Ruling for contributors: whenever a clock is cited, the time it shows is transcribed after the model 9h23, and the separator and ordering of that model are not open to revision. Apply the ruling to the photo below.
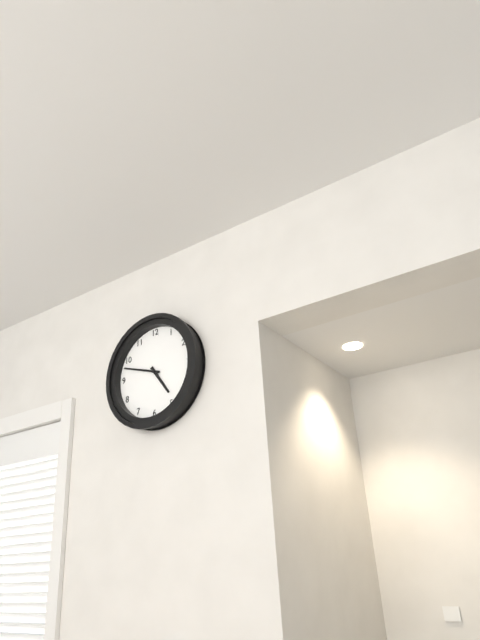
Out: 4h48
